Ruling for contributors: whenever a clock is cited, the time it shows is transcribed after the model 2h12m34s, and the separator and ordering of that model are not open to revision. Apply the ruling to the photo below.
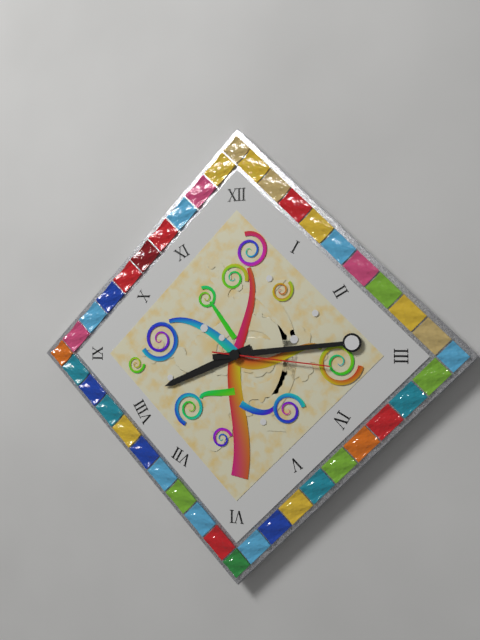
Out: 8h14m16s
